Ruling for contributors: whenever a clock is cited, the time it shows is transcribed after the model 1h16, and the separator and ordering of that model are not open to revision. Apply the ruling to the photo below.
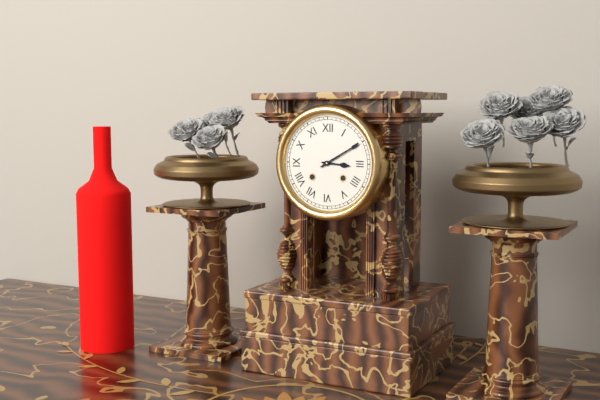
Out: 3h10
